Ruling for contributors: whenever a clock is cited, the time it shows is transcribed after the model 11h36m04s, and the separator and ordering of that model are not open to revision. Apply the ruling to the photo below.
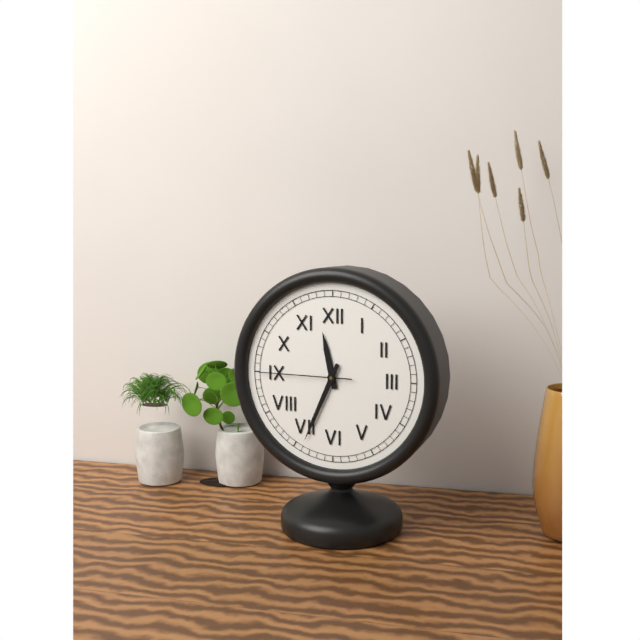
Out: 11h34m45s
